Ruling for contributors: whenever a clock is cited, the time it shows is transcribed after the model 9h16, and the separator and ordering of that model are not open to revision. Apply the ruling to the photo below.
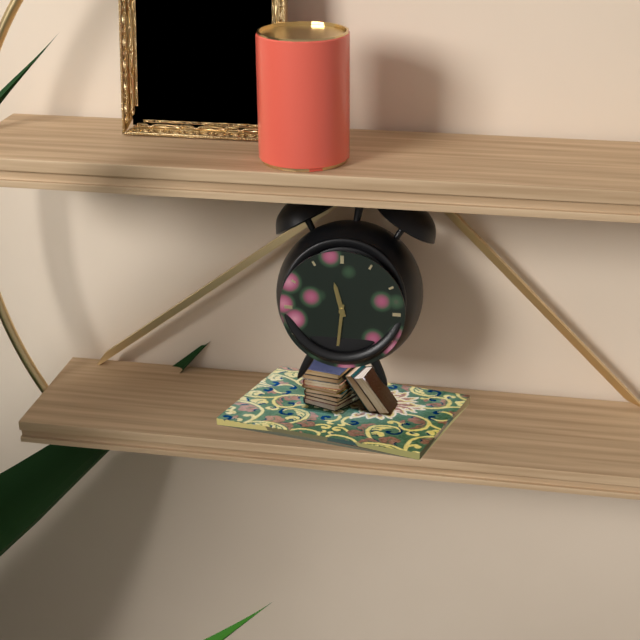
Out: 11h31
